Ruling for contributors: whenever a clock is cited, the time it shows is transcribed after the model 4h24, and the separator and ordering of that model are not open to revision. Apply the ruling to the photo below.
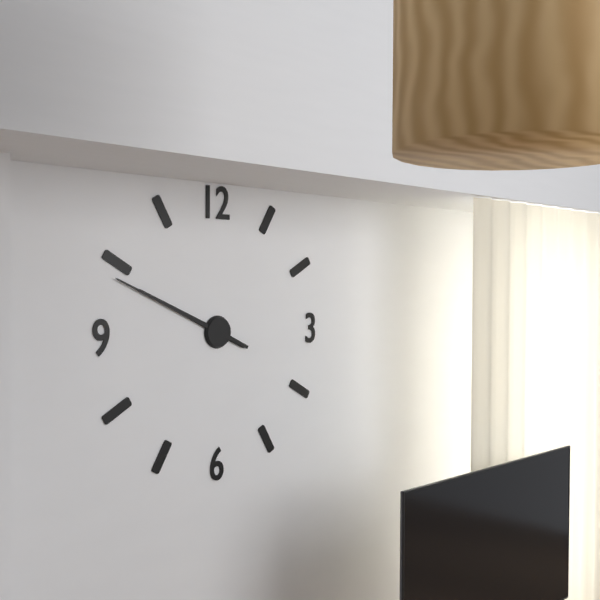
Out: 9h49
